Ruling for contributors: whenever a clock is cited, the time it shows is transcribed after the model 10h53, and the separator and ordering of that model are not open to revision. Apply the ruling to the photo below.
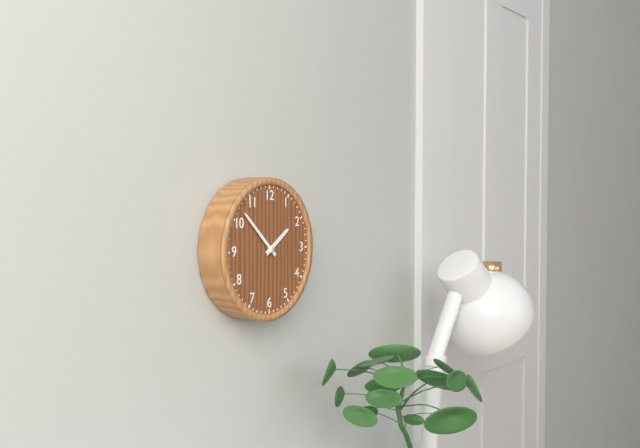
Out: 1h52
